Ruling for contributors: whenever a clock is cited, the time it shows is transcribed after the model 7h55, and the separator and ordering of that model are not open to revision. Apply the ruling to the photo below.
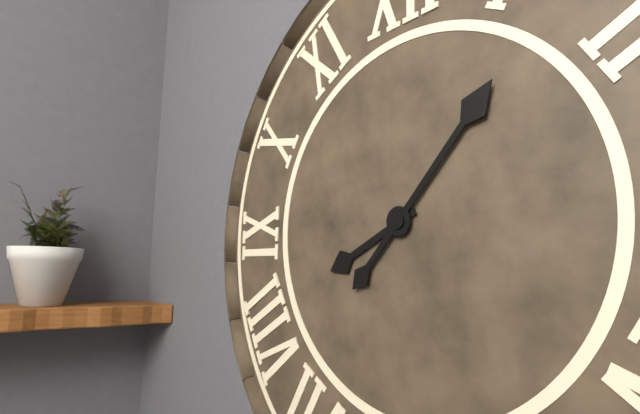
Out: 8h07
